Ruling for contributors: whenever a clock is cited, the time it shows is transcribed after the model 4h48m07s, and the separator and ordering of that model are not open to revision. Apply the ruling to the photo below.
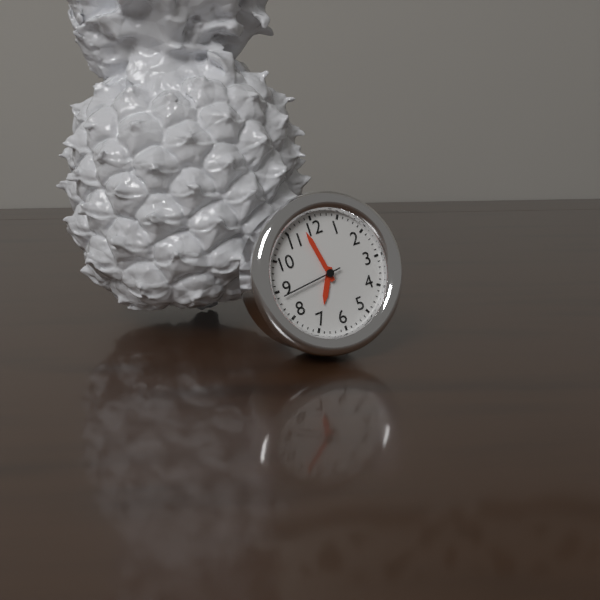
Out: 6h58m44s
